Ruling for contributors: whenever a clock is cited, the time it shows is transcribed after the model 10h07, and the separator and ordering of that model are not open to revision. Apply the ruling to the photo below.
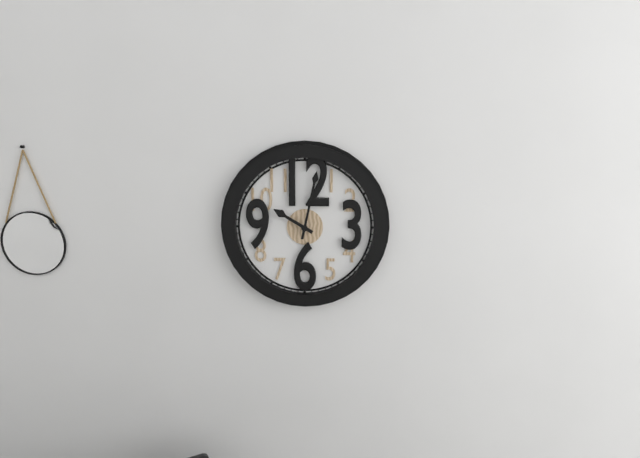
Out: 10h02
